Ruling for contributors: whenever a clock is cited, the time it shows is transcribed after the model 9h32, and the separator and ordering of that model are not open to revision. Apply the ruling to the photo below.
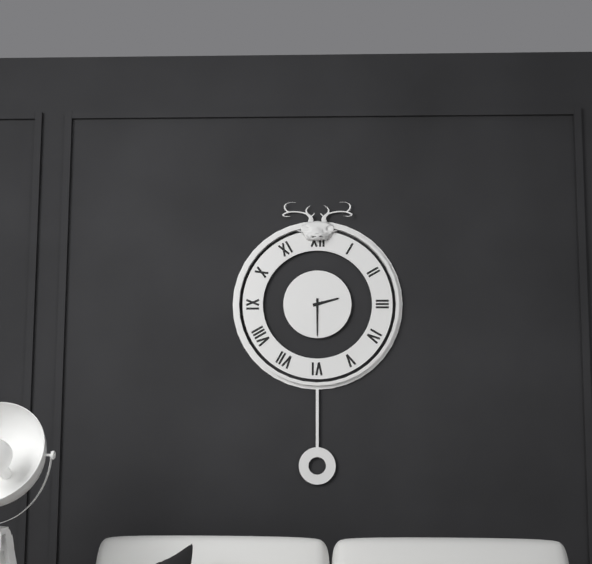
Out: 2h30
